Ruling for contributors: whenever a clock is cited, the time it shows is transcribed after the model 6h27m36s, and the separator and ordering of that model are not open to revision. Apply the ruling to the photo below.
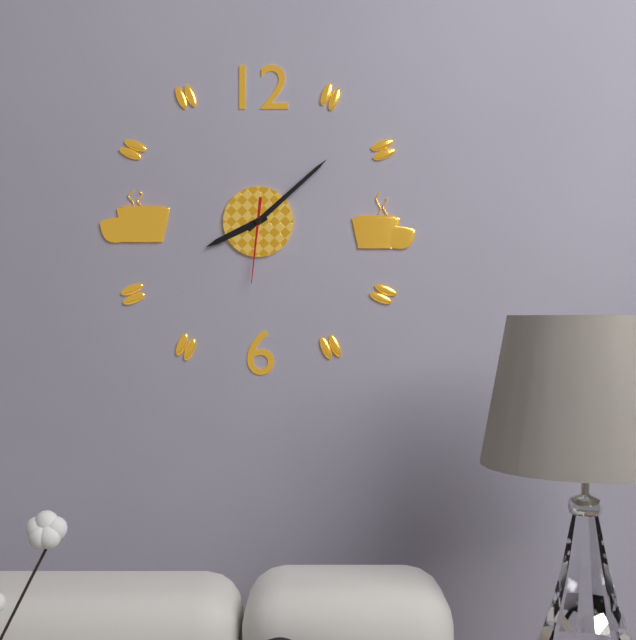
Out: 8h08m31s
